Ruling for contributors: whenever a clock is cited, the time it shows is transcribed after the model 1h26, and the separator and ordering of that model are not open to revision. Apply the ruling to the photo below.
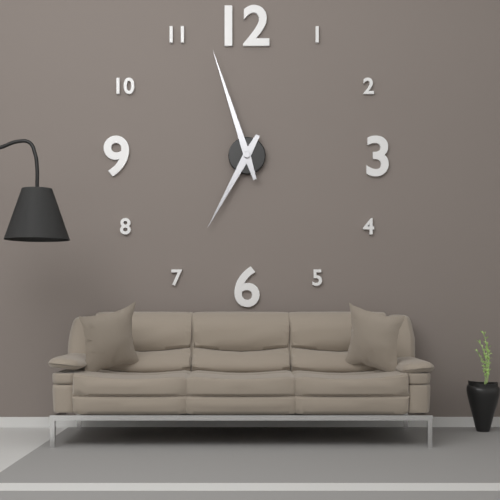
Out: 6h57
